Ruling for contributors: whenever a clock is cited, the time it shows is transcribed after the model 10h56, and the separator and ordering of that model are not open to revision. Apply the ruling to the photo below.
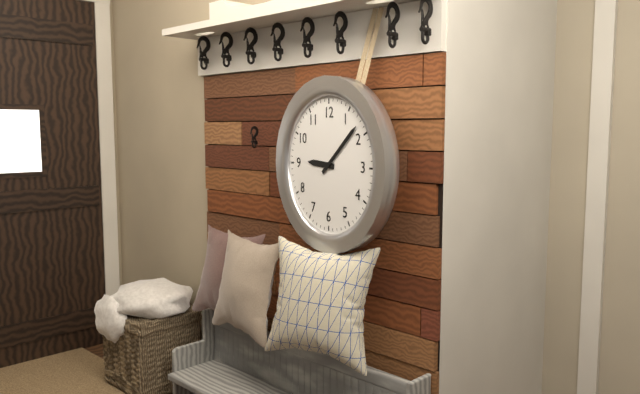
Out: 9h08
